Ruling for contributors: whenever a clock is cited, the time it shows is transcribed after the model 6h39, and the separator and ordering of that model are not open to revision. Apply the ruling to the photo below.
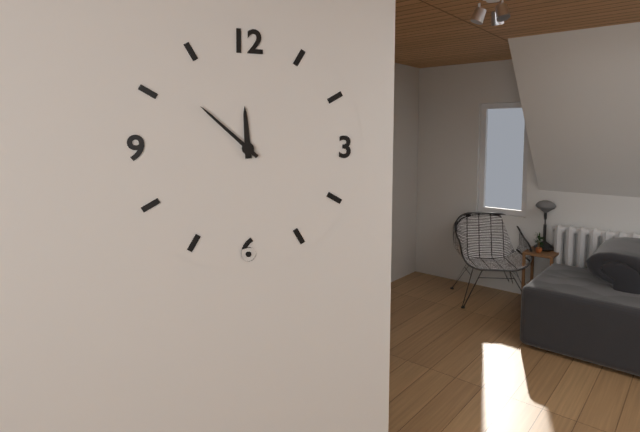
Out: 11h52
